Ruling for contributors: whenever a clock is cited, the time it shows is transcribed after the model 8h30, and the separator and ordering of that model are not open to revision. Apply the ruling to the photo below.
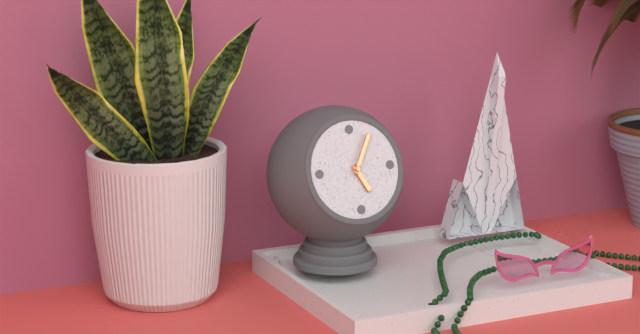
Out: 5h05
